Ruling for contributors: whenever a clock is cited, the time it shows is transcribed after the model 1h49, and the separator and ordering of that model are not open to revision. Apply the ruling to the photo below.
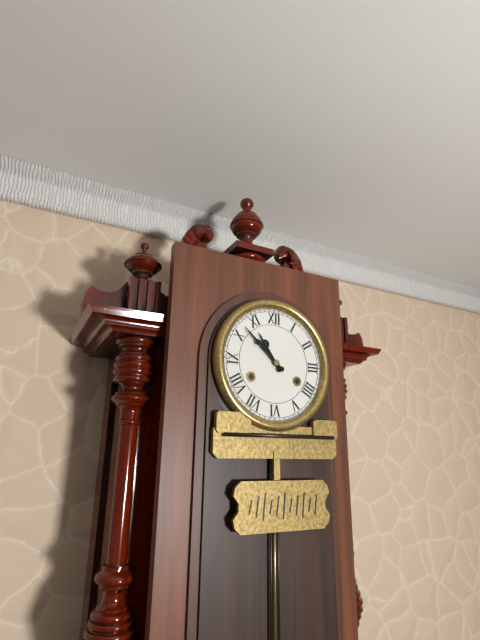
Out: 10h52
